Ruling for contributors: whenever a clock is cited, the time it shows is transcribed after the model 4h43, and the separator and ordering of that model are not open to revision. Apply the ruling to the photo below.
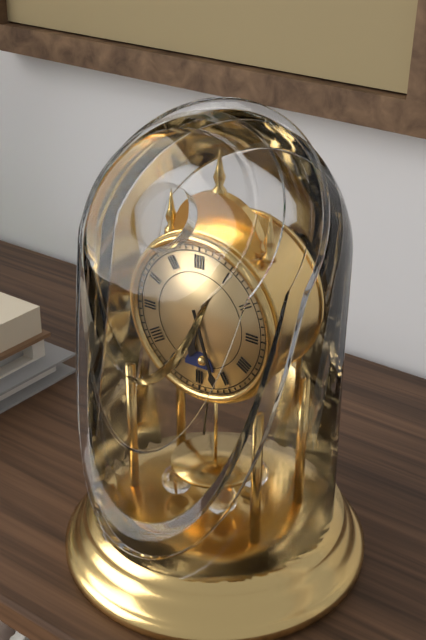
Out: 6h27
